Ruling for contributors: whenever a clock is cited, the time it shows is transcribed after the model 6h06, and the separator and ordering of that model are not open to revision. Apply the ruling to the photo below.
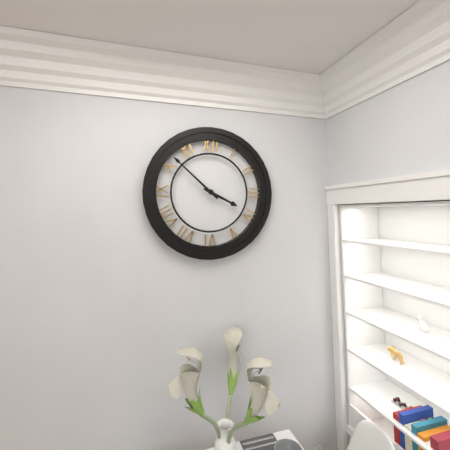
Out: 3h52
